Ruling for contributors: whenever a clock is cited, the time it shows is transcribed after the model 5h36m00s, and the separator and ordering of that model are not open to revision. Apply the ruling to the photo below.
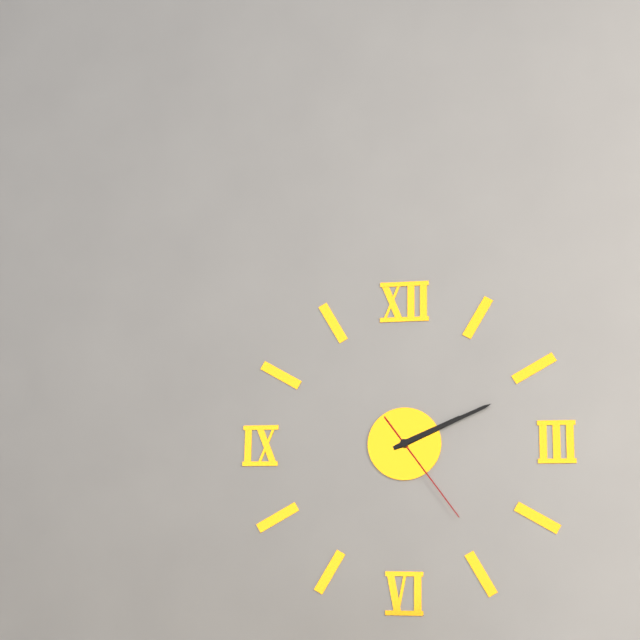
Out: 2h11m24s
